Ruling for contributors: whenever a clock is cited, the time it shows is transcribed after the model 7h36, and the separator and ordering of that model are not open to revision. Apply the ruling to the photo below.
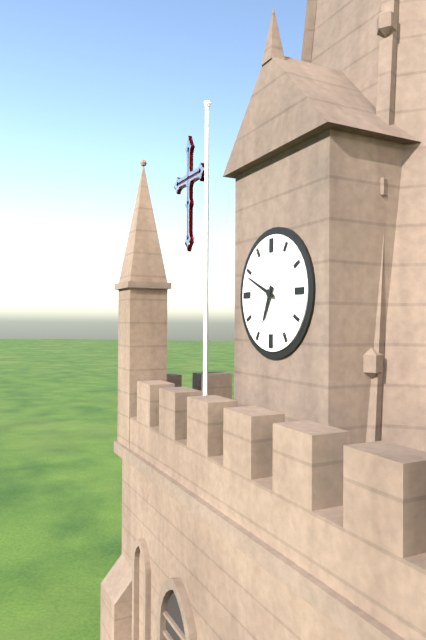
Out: 6h49
